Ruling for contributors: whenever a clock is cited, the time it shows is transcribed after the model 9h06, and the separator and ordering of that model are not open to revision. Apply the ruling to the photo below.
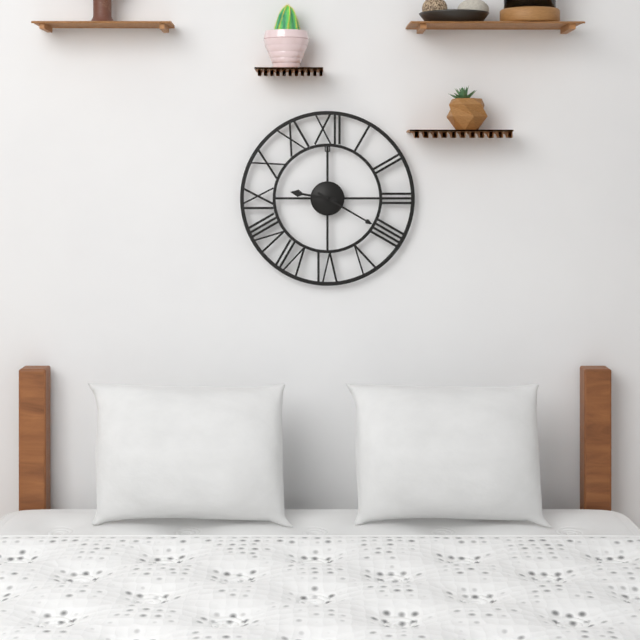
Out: 9h20
